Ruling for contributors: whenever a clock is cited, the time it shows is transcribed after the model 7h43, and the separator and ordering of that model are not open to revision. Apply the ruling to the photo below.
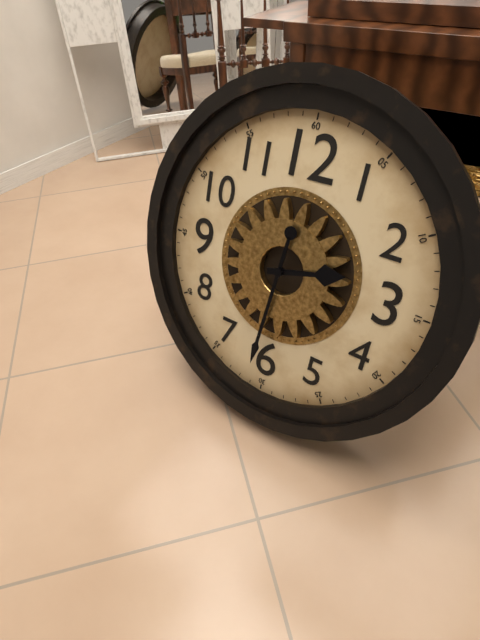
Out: 2h31
